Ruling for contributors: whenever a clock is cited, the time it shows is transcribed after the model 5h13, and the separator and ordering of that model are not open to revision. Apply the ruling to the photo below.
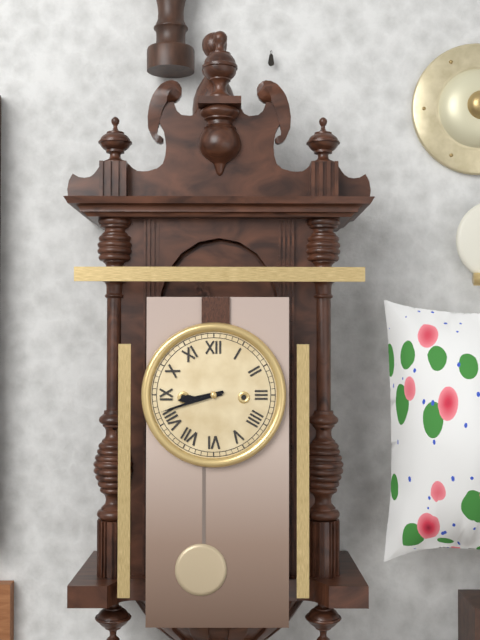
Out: 8h42
